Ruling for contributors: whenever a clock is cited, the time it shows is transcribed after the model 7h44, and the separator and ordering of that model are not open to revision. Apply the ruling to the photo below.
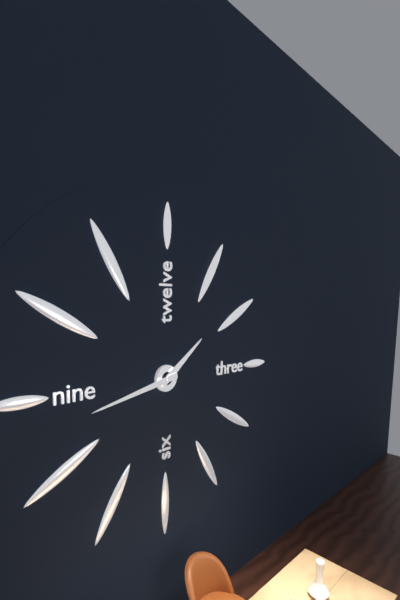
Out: 1h43
